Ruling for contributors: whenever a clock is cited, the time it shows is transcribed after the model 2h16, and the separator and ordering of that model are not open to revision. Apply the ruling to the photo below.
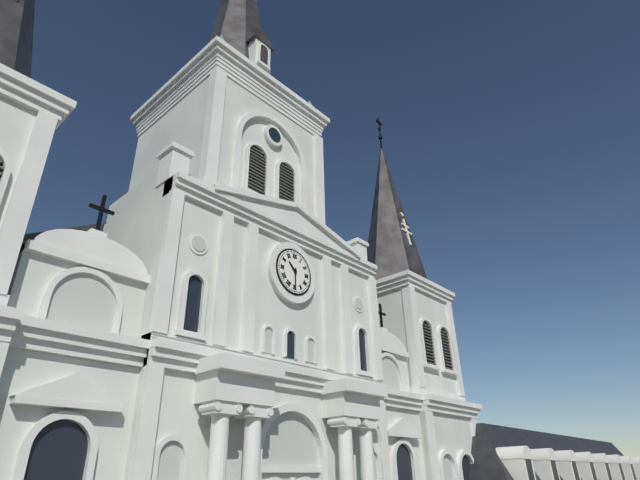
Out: 10h30
